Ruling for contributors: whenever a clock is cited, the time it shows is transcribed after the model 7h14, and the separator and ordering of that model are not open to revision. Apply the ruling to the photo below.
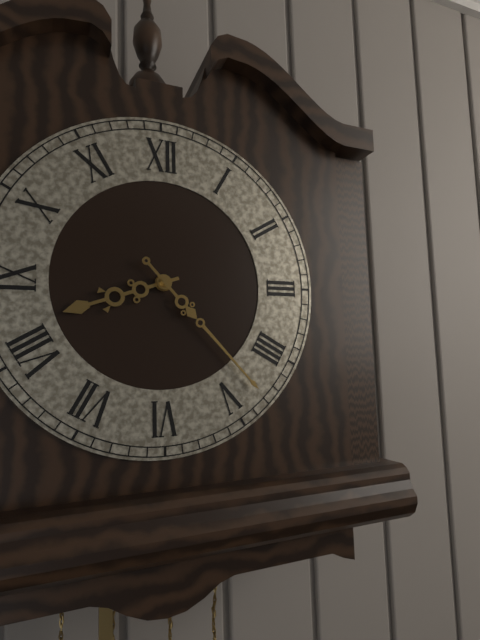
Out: 8h23
